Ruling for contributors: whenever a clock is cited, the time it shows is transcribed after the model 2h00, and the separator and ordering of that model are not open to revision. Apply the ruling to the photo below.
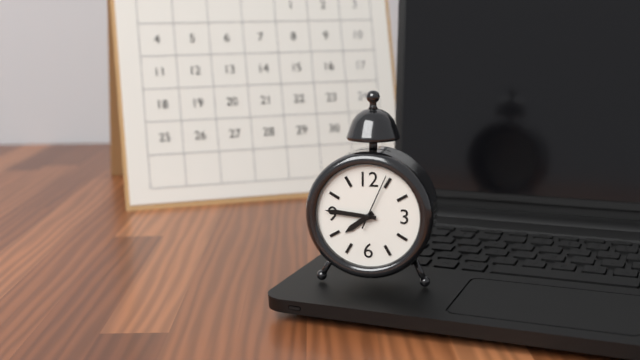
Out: 7h46
